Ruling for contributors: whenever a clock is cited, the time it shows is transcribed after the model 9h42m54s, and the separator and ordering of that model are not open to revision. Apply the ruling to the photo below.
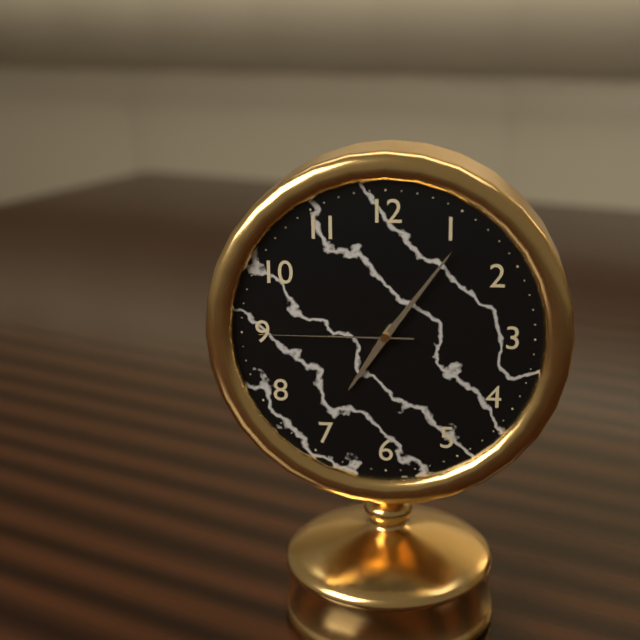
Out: 7h06m45s
